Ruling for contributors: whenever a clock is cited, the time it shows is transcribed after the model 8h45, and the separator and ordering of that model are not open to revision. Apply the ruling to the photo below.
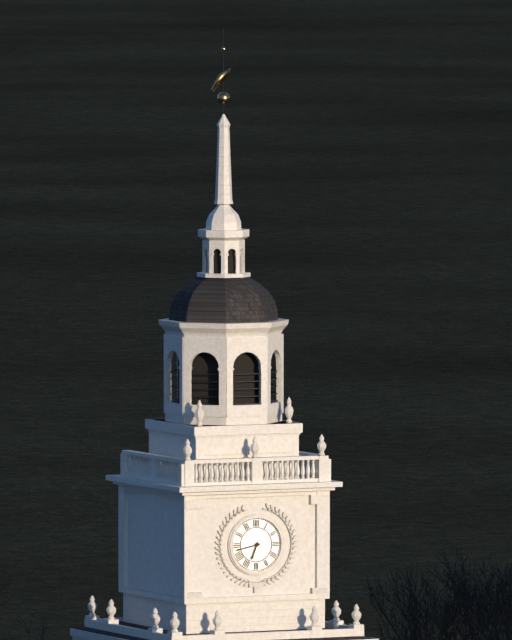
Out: 6h43
